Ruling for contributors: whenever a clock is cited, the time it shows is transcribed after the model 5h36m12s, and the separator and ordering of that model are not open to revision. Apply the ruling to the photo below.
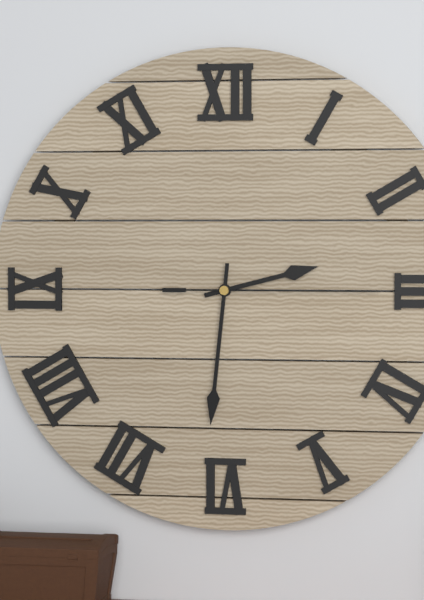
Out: 2h31m15s
